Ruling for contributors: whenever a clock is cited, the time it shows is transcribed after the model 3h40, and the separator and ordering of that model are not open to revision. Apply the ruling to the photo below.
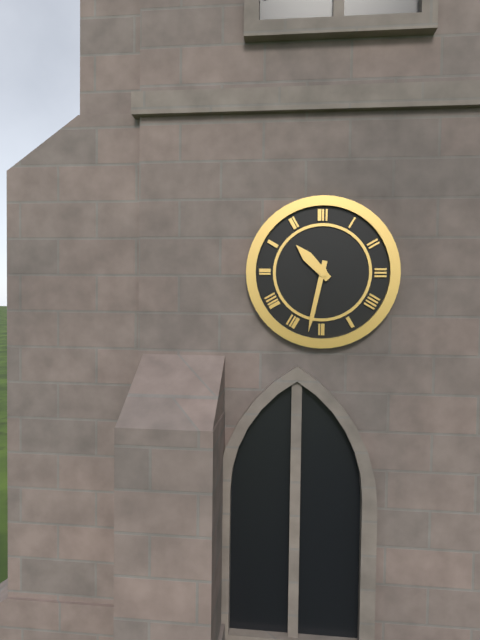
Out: 10h32
